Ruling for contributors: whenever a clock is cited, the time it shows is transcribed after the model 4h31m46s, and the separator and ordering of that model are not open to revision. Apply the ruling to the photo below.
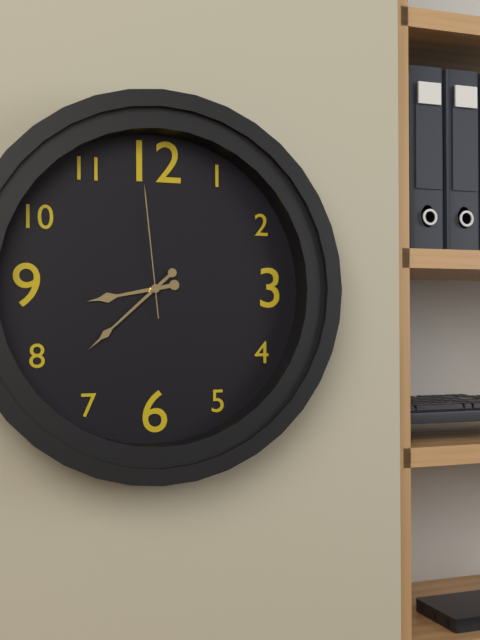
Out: 8h38m59s
